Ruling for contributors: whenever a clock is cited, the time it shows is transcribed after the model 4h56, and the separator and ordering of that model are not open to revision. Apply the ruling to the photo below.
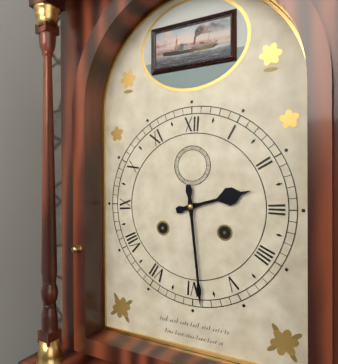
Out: 2h29
